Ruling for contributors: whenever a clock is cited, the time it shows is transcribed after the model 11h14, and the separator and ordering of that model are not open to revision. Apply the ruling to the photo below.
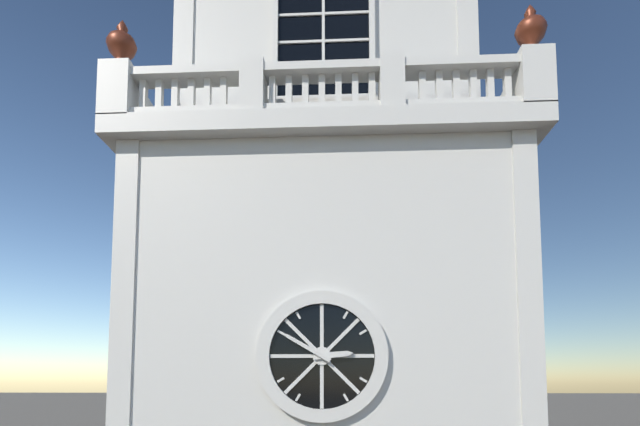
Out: 2h50
